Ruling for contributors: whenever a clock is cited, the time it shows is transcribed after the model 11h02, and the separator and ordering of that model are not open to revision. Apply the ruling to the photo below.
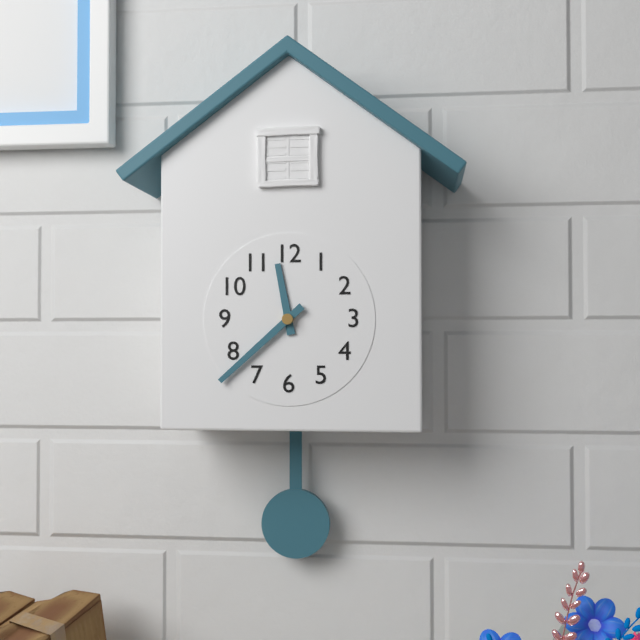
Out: 11h38
